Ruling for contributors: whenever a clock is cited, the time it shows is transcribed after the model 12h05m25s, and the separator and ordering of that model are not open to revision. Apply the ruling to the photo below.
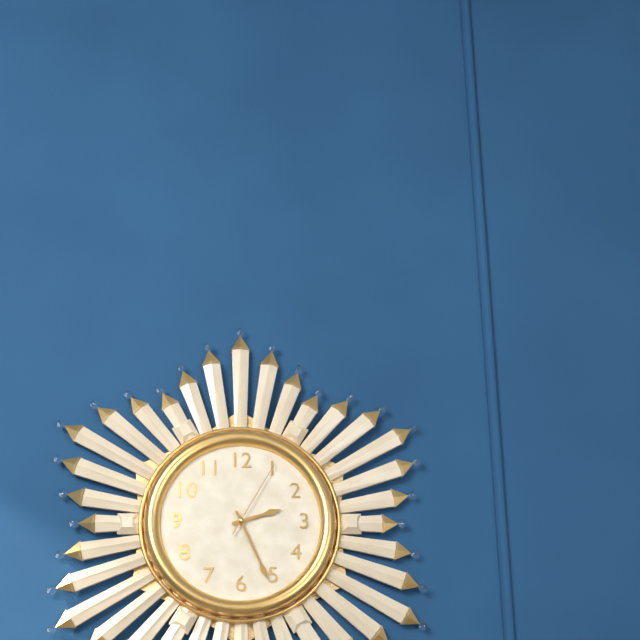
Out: 2h26m05s
